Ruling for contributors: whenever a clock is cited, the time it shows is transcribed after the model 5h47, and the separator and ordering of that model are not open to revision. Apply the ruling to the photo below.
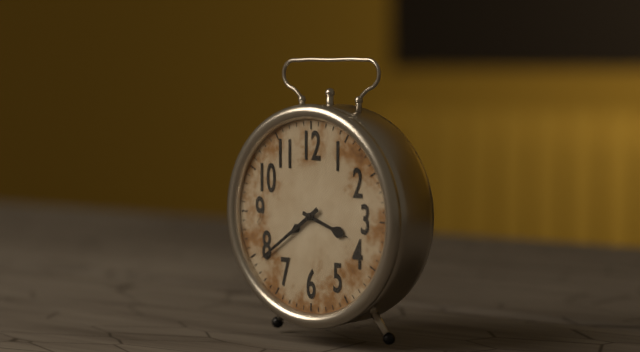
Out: 3h39
